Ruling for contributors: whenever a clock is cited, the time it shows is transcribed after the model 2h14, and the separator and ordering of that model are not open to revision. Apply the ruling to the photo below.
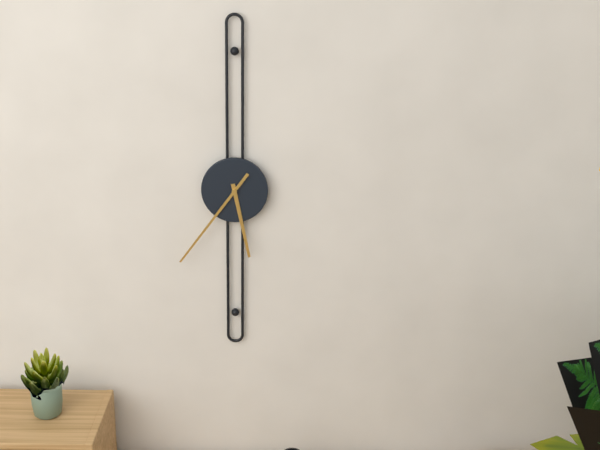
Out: 5h36
